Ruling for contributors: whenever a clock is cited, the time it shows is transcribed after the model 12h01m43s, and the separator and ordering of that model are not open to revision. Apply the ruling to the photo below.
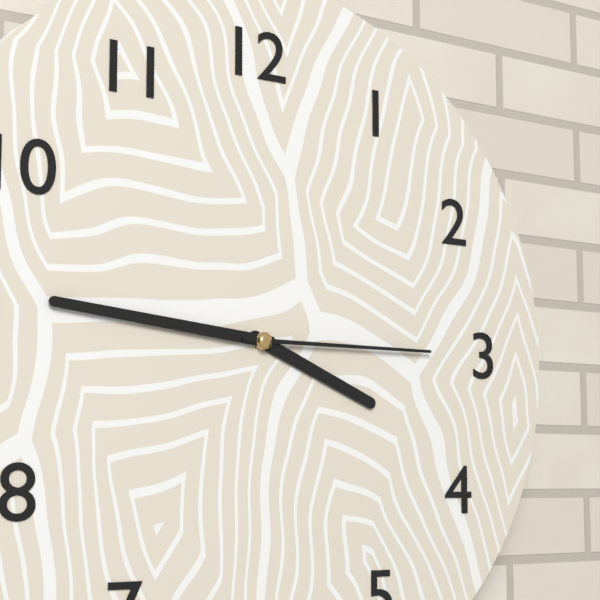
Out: 3h46m15s
